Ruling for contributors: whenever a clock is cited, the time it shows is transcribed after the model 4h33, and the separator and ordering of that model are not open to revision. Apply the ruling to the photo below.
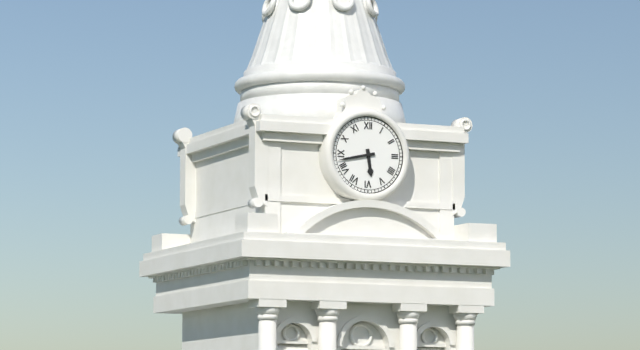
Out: 5h43
